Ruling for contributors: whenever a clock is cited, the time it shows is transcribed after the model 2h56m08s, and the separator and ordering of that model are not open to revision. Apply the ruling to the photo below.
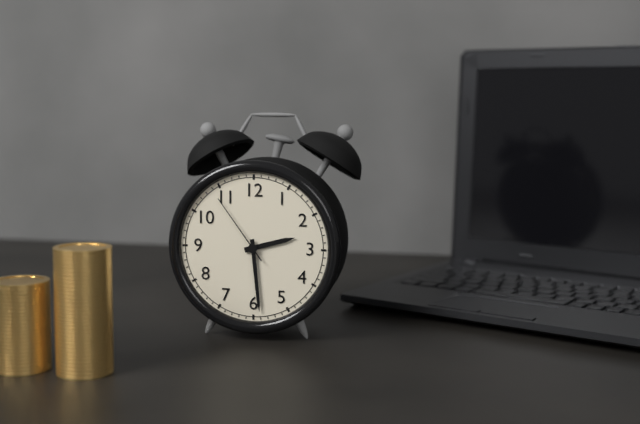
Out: 2h29m54s
